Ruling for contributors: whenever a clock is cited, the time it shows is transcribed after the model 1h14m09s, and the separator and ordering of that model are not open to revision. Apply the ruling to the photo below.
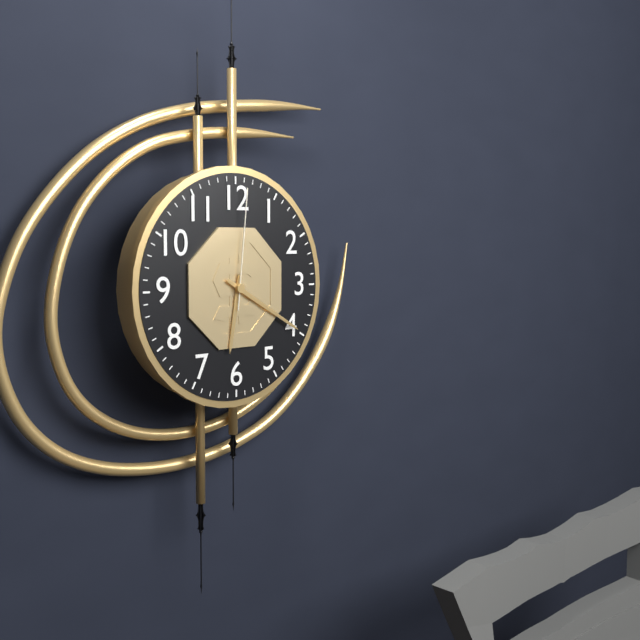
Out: 6h20m01s
